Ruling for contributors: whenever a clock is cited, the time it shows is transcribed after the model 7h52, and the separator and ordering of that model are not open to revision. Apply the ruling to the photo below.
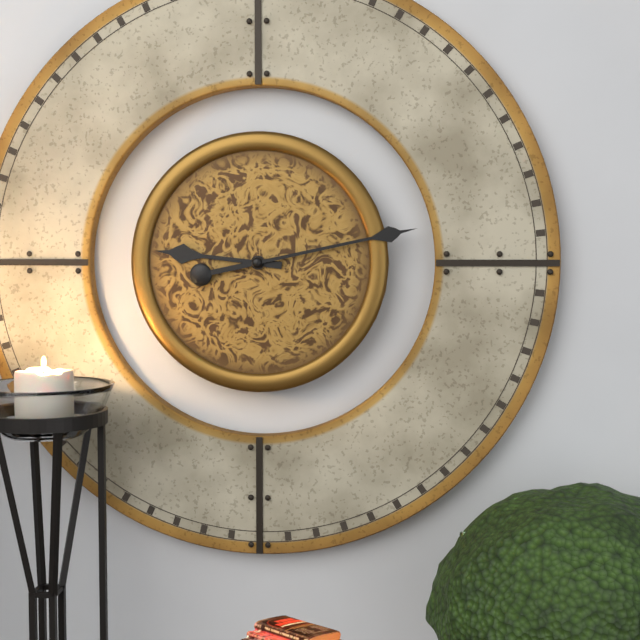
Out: 9h13
